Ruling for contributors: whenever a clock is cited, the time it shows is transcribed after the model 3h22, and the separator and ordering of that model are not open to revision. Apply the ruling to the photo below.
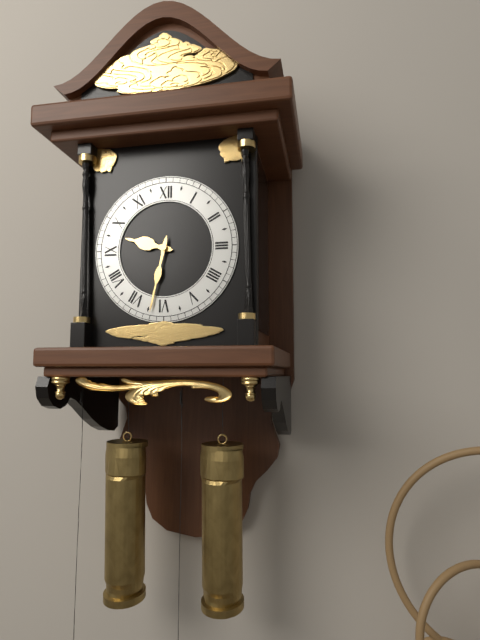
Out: 9h32
